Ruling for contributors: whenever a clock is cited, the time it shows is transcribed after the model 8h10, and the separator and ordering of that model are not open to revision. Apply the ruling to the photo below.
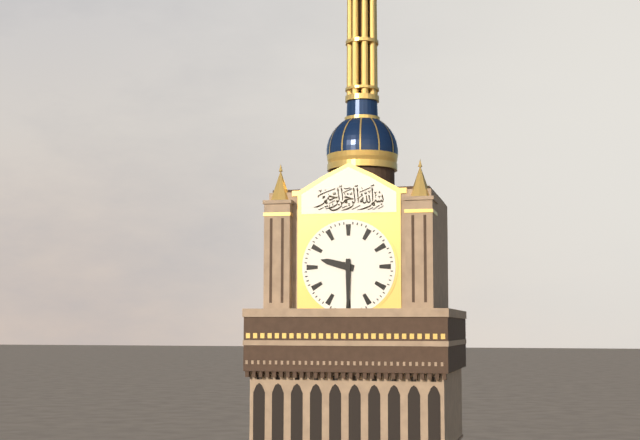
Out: 9h30
